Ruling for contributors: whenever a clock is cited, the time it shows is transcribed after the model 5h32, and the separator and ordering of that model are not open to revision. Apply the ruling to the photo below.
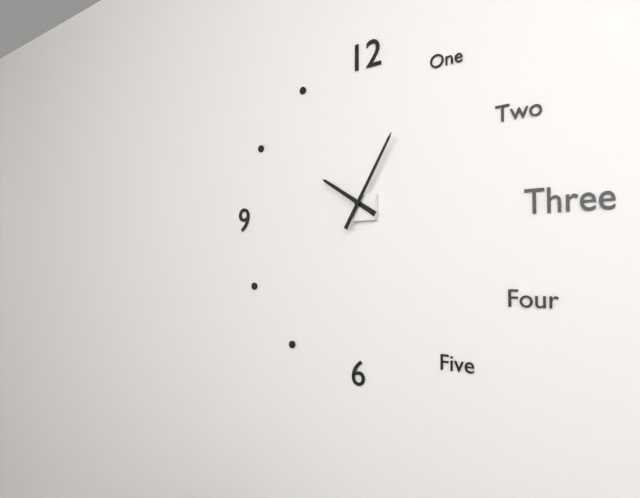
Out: 10h05
